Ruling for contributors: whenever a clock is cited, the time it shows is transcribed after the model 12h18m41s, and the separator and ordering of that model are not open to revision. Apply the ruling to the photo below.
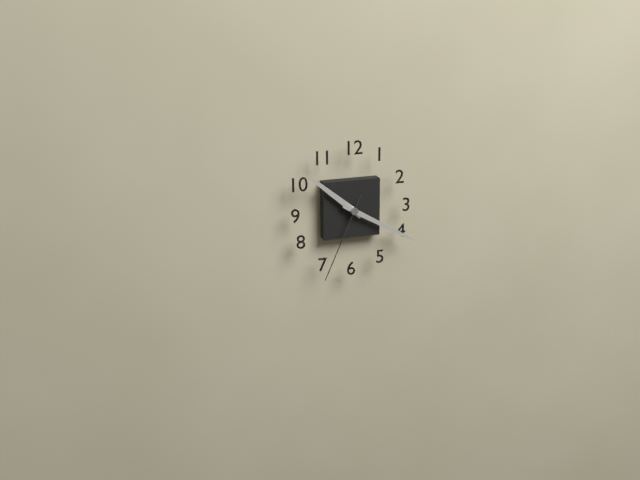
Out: 10h20m34s
